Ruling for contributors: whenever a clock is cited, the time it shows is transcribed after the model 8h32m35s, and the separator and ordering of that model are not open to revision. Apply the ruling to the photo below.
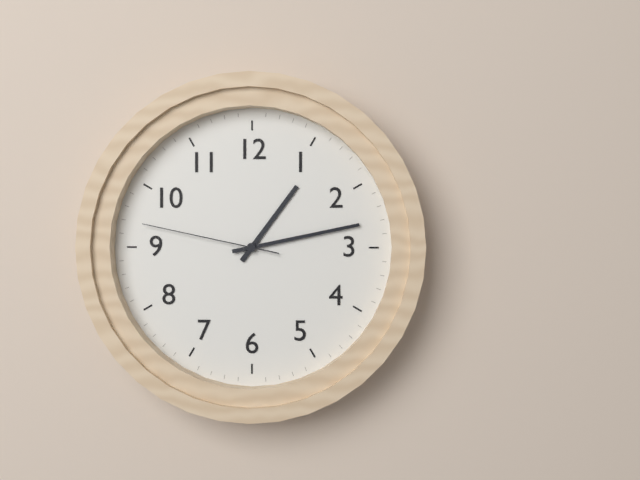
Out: 1h13m47s
